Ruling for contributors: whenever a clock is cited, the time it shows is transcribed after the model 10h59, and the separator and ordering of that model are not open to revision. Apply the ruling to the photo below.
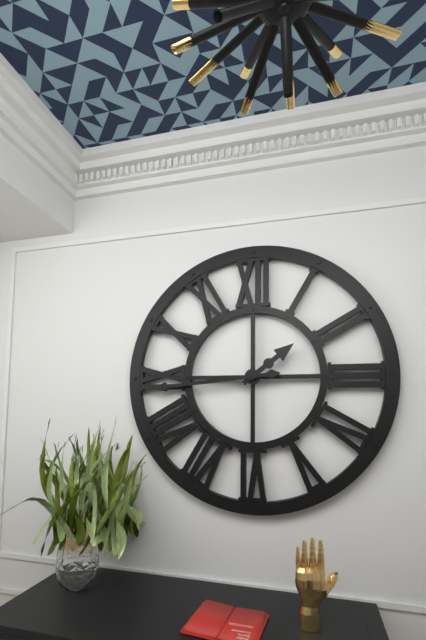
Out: 1h44
